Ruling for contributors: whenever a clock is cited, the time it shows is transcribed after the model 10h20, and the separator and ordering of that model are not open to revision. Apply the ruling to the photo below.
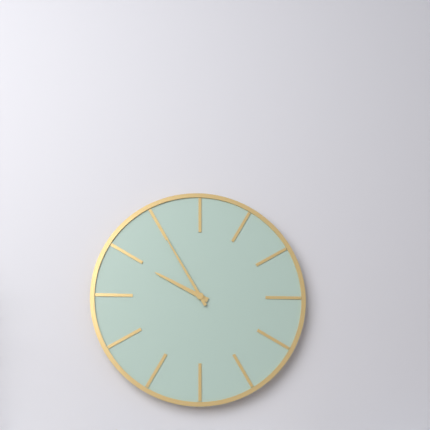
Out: 9h55
